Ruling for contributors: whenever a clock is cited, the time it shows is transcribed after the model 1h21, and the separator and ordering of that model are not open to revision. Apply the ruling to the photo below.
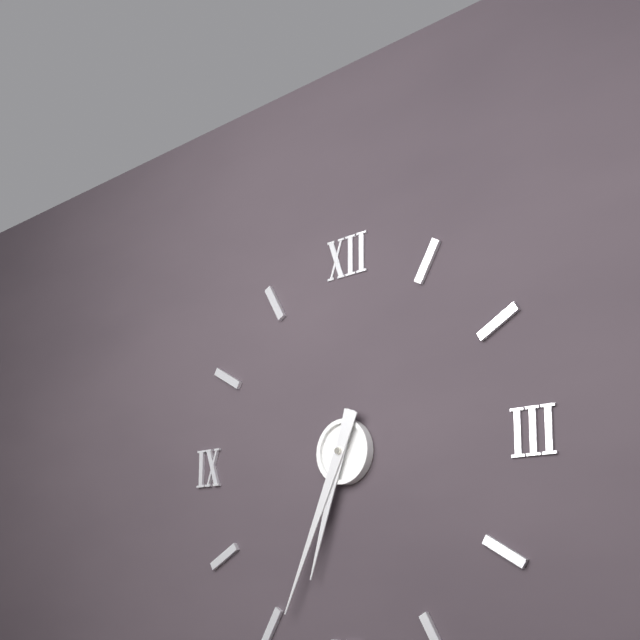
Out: 6h34
